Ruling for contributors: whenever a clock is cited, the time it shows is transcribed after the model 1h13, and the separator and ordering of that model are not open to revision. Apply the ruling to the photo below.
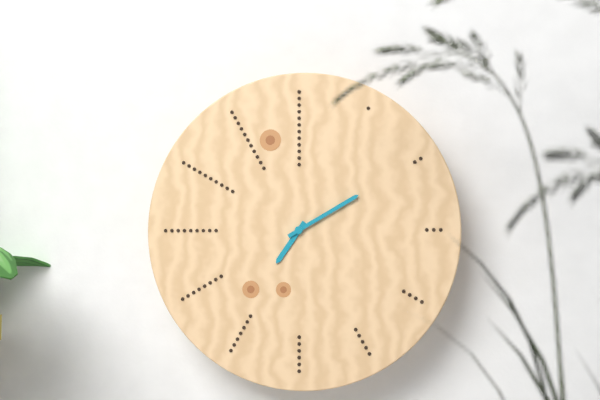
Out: 7h10
